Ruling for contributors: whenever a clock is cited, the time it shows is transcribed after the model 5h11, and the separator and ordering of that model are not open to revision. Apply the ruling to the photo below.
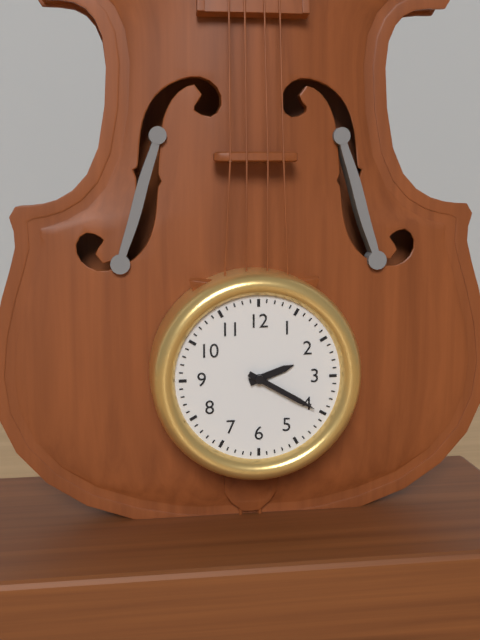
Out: 2h20
